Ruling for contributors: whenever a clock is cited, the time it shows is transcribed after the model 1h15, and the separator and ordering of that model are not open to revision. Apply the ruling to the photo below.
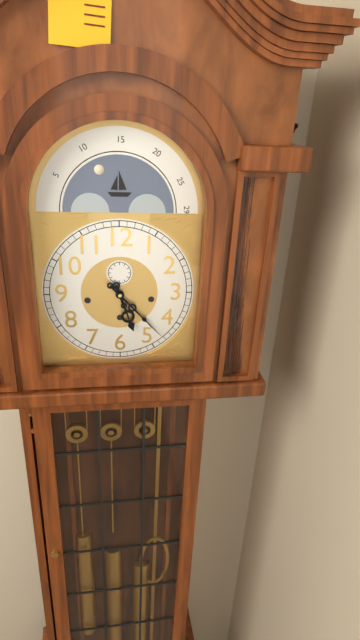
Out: 5h23
